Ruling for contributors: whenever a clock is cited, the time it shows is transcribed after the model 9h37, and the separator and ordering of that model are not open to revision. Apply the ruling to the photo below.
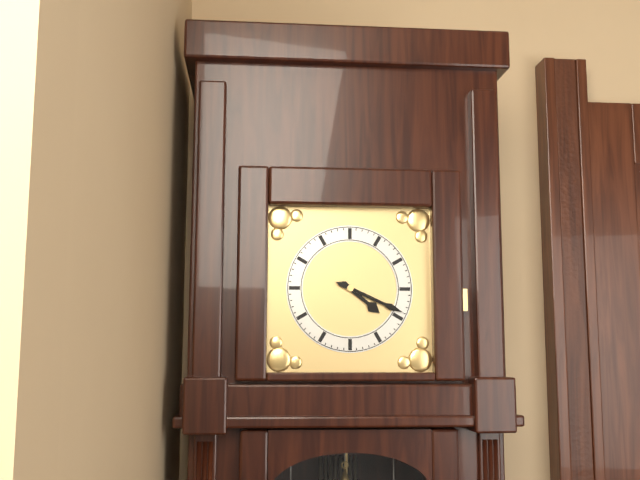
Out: 4h19
